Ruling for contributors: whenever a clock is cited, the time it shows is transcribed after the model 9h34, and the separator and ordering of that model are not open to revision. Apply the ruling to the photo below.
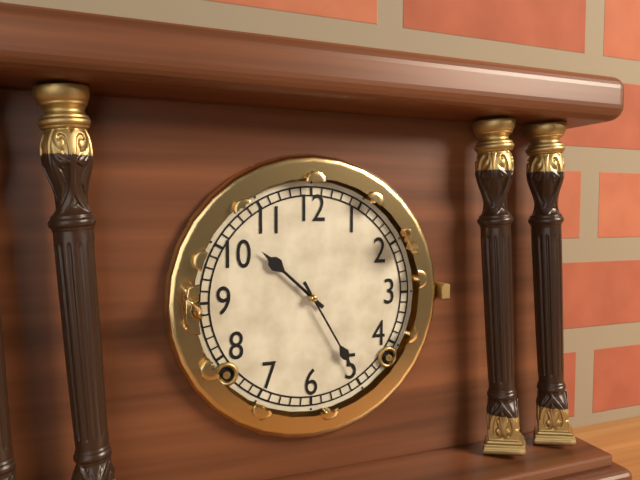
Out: 10h25
